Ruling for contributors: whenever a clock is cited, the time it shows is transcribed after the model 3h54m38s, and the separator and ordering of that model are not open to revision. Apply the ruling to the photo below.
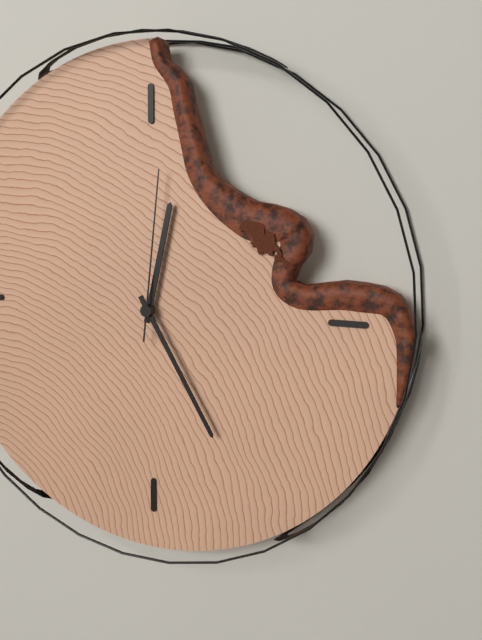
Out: 12h25m01s
